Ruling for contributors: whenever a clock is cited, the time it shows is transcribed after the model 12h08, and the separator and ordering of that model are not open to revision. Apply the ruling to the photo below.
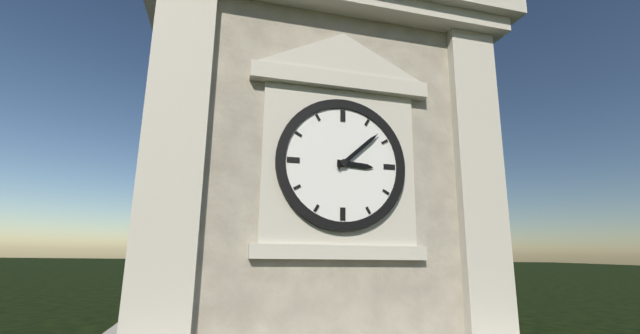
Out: 3h08
